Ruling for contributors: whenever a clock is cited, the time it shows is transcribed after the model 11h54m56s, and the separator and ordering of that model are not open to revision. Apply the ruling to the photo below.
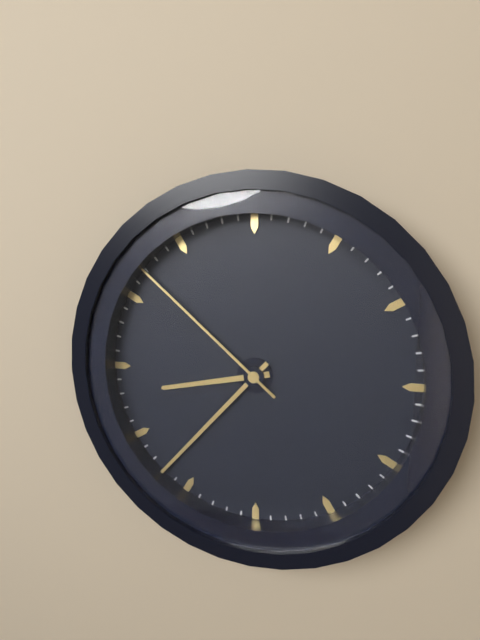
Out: 8h37m52s
